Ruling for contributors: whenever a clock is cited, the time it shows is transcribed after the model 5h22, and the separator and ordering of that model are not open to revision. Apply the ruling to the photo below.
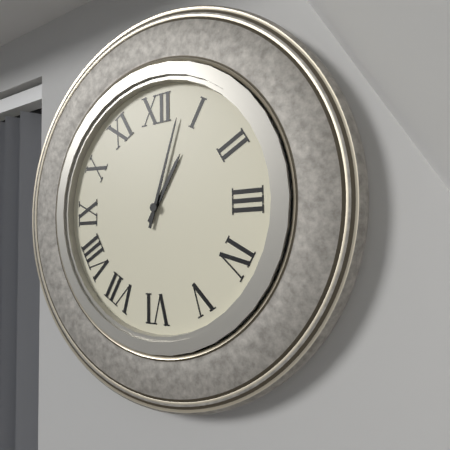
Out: 1h03
